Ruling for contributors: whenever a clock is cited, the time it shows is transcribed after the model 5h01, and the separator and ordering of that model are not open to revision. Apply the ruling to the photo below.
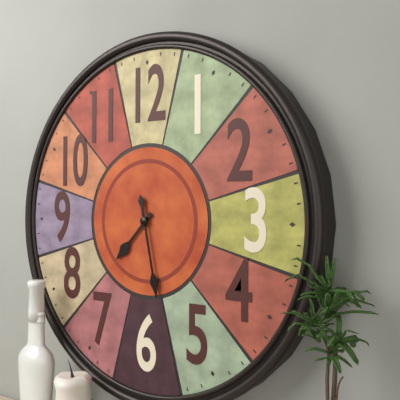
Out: 7h28
